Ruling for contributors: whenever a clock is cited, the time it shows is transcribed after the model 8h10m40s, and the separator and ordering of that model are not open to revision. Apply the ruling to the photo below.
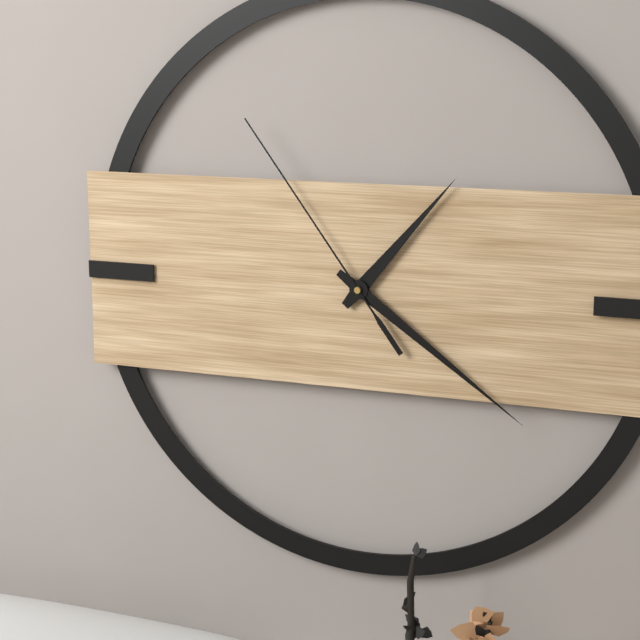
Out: 1h21m54s
